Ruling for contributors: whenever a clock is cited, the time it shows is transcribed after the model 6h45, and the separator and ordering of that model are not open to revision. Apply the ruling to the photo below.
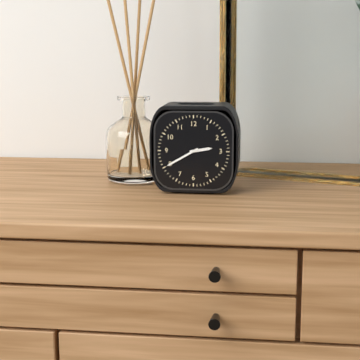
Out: 2h40
